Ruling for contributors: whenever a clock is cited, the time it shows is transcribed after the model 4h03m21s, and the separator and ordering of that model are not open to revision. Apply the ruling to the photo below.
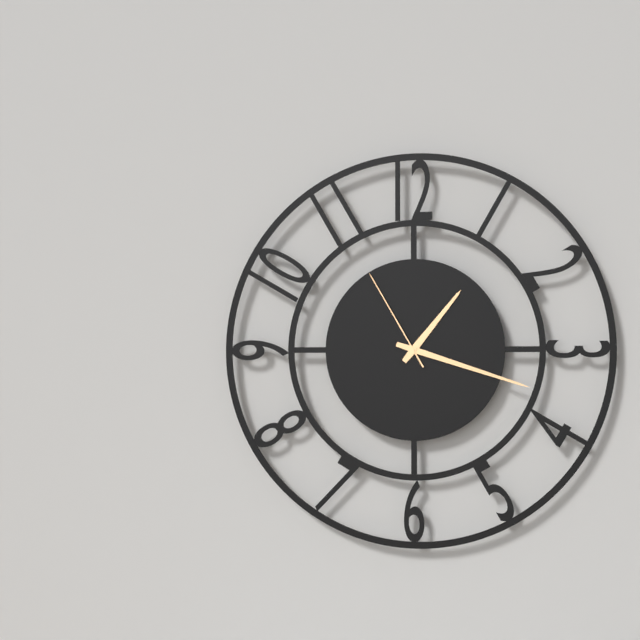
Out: 1h18m55s
